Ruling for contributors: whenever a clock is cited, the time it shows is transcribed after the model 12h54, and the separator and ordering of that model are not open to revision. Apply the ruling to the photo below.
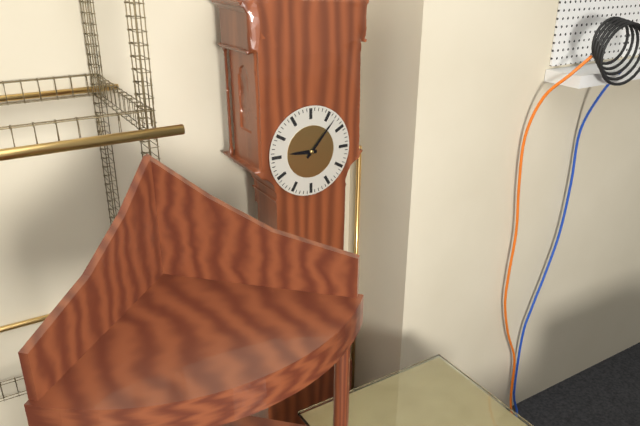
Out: 9h07
